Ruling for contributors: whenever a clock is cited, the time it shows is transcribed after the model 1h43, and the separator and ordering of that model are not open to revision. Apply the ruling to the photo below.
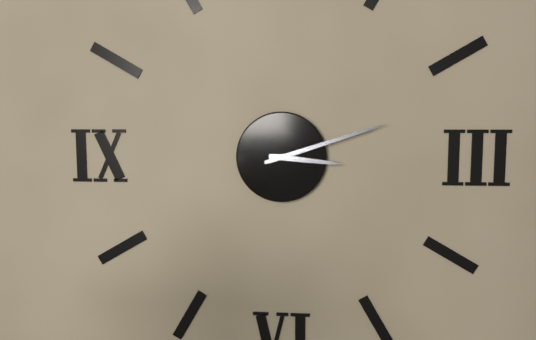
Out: 3h12
